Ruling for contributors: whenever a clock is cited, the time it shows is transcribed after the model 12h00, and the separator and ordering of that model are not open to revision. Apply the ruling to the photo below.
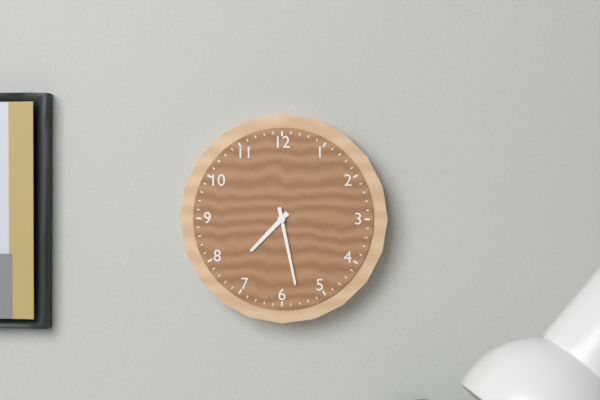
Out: 7h28
